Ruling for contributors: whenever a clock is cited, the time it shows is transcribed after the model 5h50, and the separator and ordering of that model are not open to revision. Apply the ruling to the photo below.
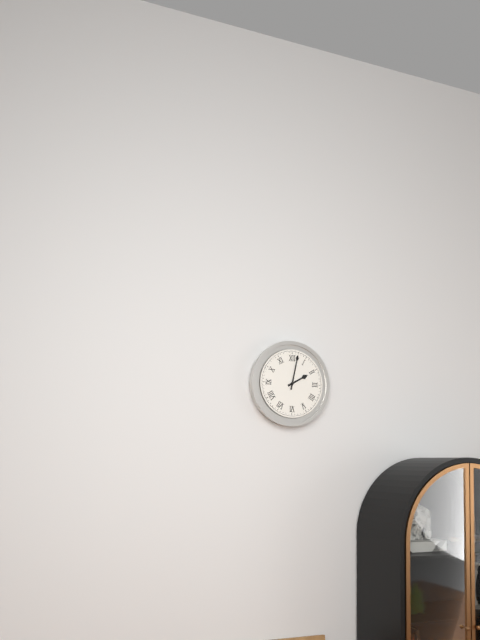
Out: 2h02
